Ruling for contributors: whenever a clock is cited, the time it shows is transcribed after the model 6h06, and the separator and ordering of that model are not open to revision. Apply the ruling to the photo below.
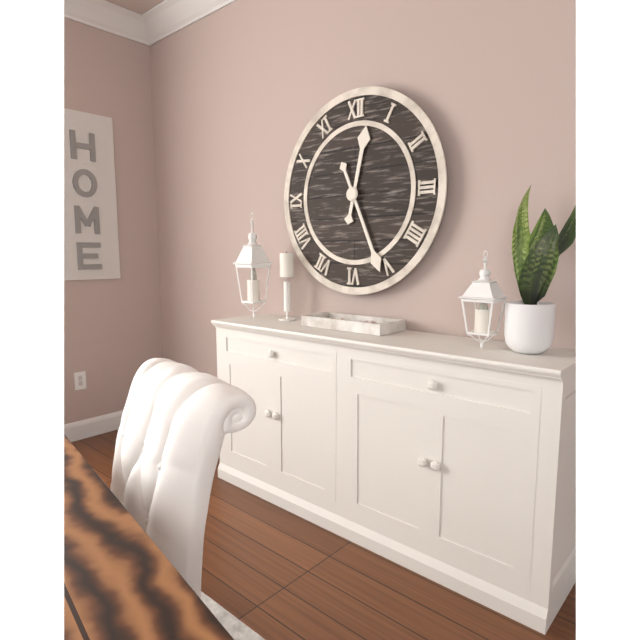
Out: 12h26
